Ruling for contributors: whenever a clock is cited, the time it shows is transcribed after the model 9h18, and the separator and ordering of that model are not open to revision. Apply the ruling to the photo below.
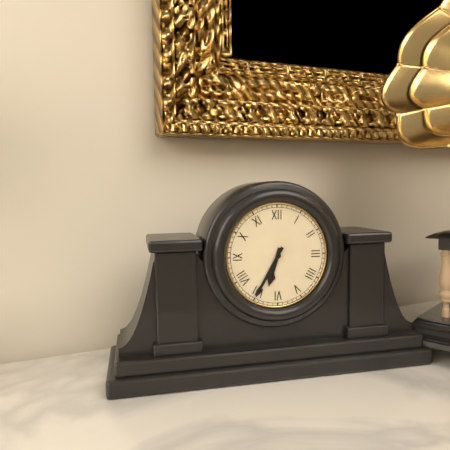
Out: 6h35
